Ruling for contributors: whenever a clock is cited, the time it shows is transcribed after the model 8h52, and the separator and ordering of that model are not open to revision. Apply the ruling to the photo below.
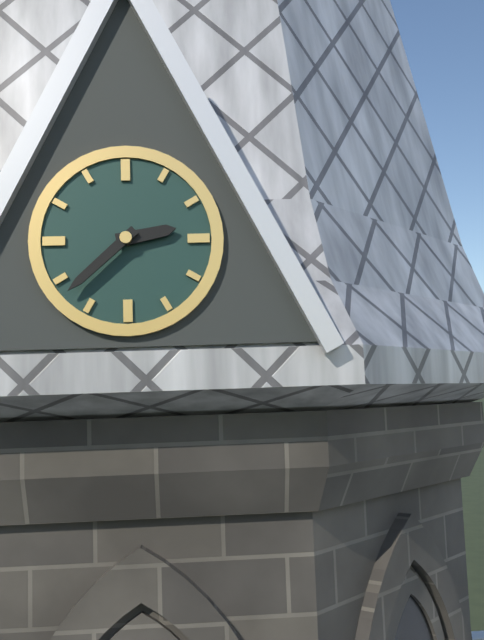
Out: 2h38
